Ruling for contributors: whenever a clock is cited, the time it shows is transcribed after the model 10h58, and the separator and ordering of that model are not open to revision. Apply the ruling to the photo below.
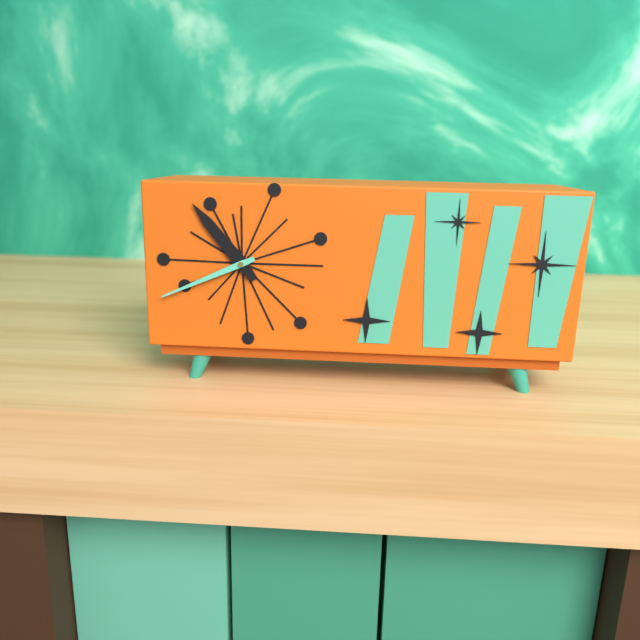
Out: 10h41
